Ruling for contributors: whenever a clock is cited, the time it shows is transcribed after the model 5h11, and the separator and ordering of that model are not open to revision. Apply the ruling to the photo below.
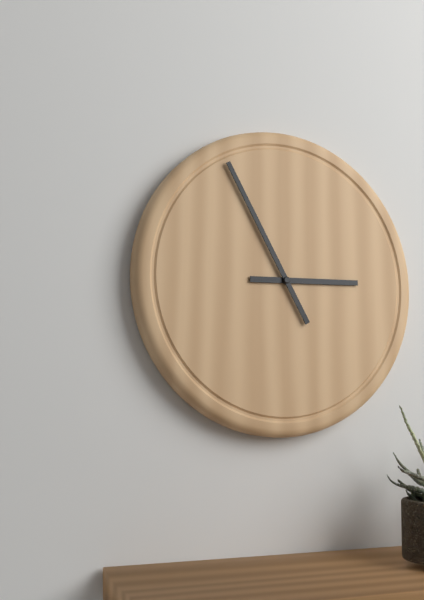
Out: 2h55
